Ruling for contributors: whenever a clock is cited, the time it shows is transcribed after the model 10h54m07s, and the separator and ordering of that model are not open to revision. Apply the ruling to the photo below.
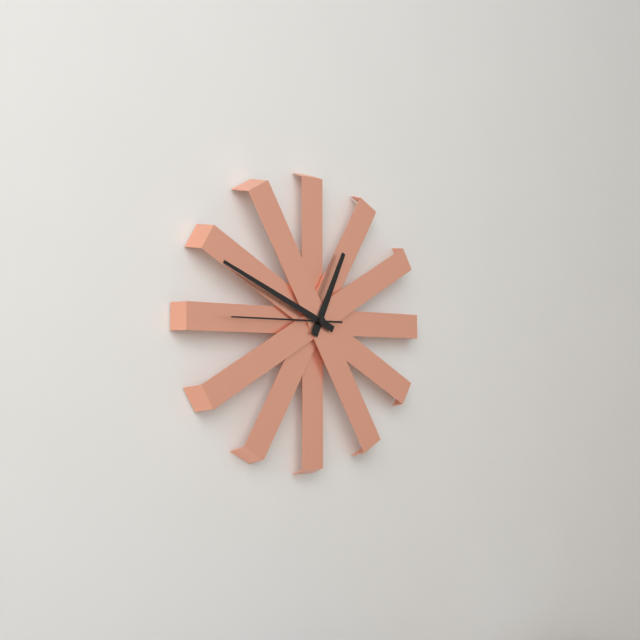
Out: 12h49m45s
